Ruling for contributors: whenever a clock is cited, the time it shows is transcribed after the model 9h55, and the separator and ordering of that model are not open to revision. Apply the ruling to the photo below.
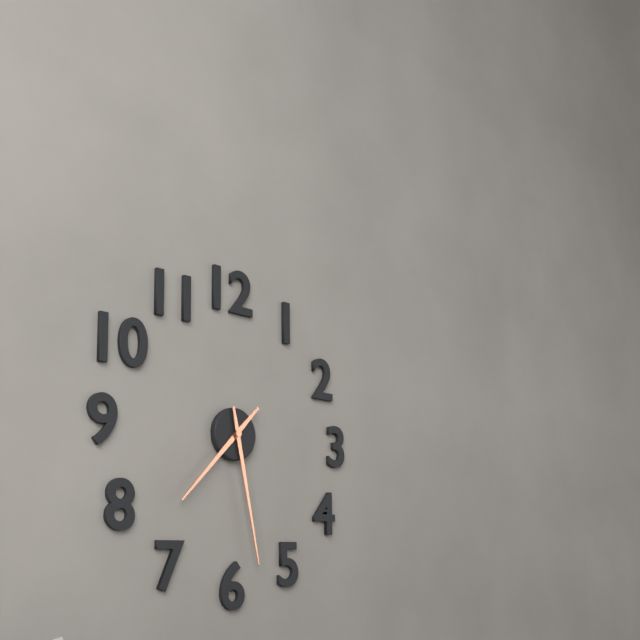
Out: 7h28
